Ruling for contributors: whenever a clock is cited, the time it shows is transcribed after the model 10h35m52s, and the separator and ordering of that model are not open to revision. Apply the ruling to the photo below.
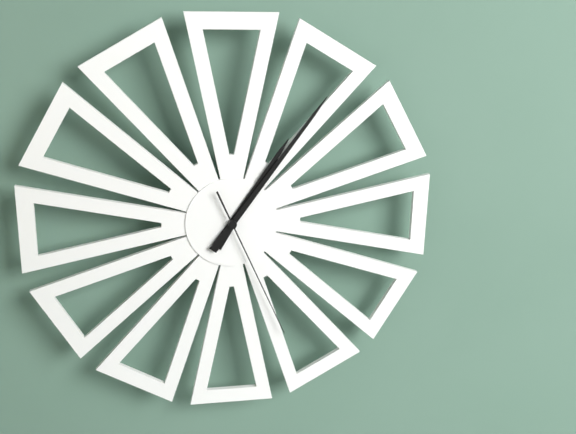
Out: 1h06m26s
